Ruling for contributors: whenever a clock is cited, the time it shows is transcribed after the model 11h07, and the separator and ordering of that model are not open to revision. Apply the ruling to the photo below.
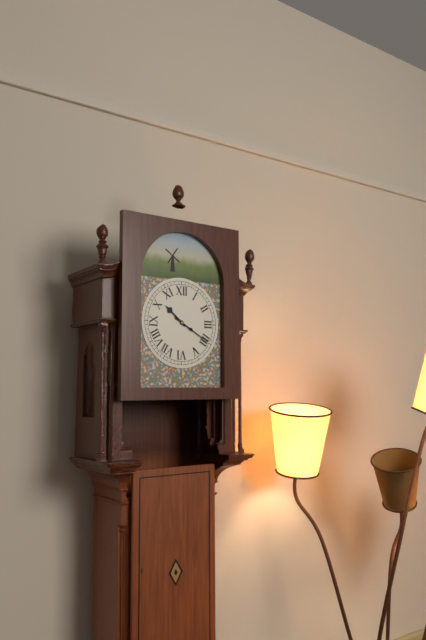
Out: 10h20
